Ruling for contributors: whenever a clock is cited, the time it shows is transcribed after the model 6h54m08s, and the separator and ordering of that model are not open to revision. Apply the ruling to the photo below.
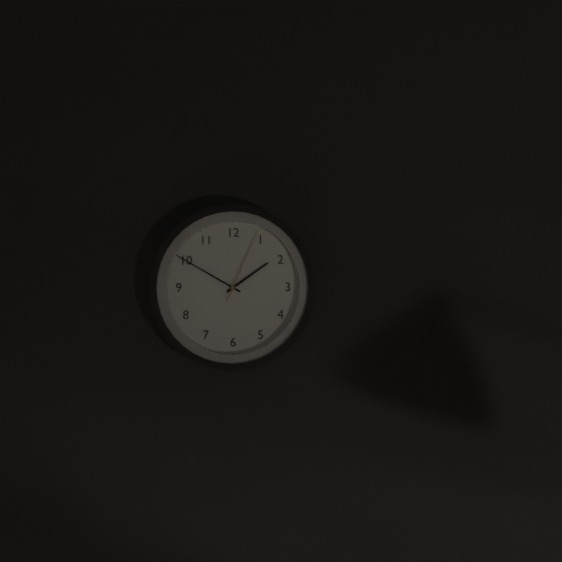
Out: 1h50m04s
